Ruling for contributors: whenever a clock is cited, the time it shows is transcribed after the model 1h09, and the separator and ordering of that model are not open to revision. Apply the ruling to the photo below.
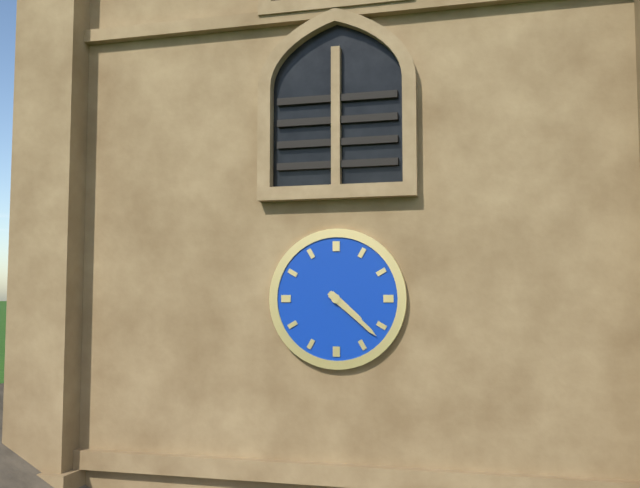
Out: 4h22
